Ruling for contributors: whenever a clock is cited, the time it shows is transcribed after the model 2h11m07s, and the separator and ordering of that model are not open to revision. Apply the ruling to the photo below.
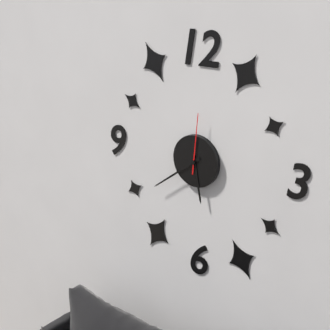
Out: 5h39m01s
